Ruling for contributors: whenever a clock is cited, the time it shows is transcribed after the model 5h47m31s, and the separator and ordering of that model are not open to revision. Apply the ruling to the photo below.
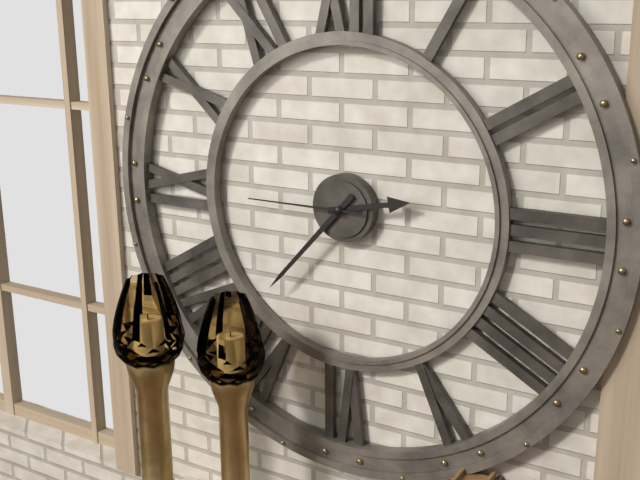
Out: 2h37m45s
